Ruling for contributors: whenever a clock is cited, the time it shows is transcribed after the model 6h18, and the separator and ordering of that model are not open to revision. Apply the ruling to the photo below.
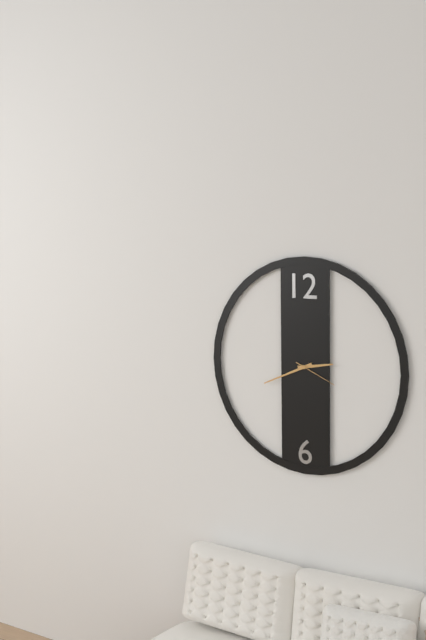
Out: 2h41
